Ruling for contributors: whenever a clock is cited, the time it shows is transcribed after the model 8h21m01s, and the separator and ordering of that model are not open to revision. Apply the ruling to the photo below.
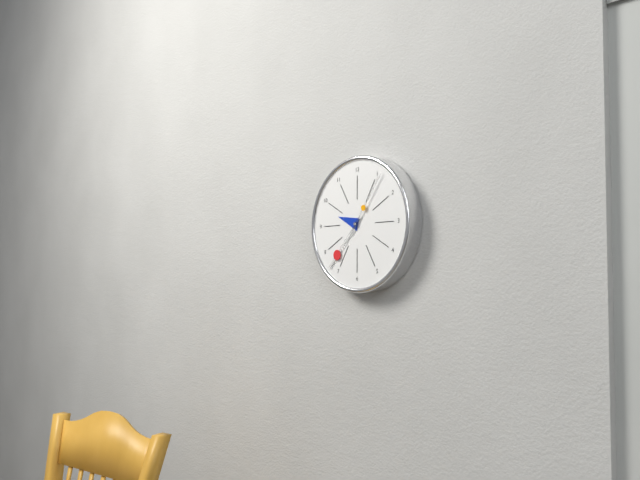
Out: 9h37m06s
